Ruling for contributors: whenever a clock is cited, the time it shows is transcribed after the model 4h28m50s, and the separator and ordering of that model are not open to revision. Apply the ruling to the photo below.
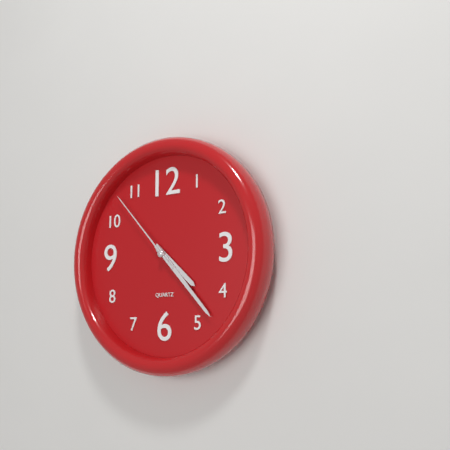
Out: 4h23m53s
